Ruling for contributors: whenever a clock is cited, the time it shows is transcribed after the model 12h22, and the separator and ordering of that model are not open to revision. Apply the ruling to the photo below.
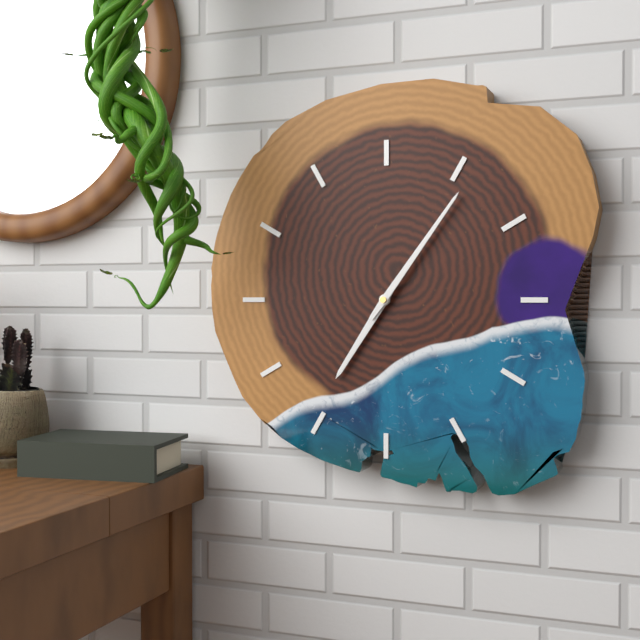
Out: 7h06
